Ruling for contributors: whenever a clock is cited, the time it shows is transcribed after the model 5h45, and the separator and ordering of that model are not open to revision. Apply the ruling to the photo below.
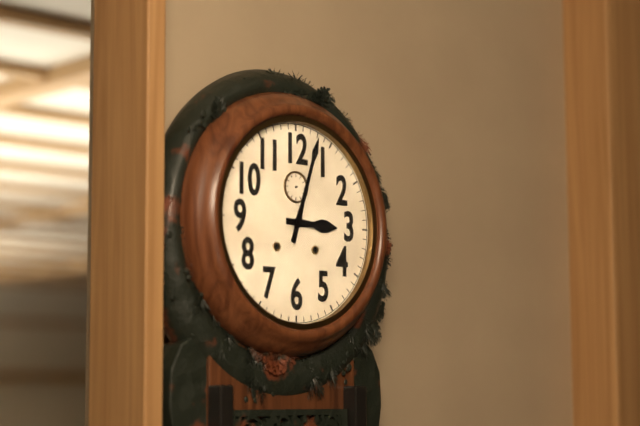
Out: 3h03
